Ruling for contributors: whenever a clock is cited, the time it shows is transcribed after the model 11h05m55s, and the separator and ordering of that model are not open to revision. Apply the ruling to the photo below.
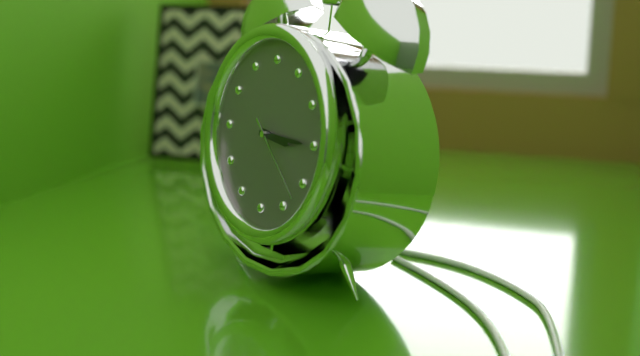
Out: 3h15m22s
